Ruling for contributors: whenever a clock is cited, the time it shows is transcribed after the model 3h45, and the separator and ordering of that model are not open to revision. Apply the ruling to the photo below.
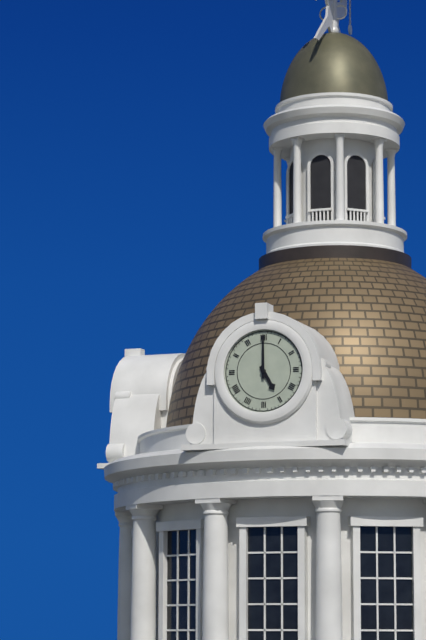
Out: 5h00
